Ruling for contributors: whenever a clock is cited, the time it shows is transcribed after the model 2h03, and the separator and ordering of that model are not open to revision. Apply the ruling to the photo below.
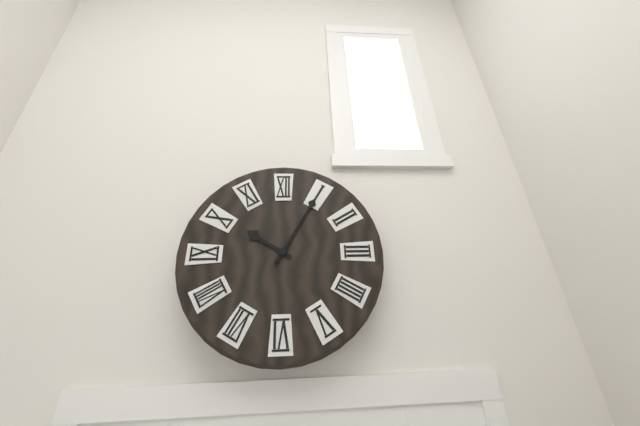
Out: 10h05
